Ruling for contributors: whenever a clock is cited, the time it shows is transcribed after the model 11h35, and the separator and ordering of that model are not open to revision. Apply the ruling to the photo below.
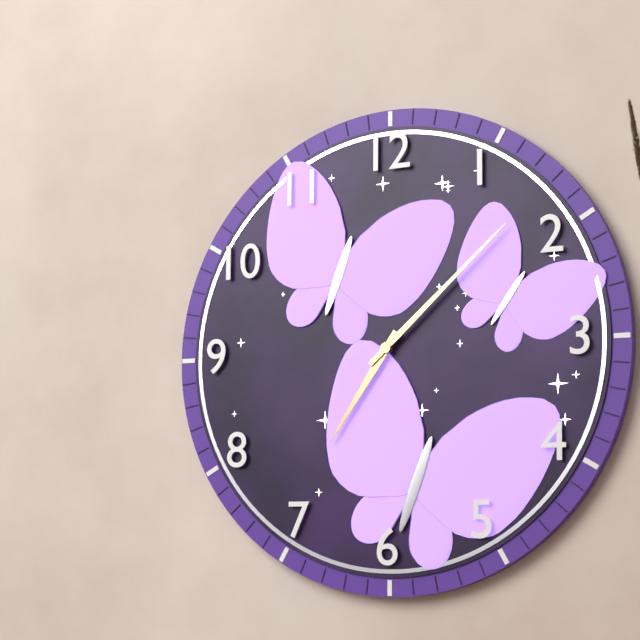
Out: 7h08
